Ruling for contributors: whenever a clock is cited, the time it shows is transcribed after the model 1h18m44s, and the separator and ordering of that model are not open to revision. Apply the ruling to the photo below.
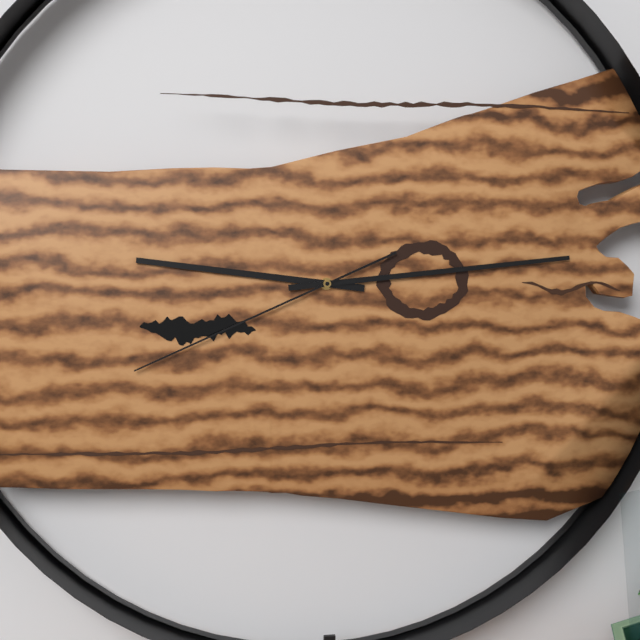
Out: 9h14m41s
